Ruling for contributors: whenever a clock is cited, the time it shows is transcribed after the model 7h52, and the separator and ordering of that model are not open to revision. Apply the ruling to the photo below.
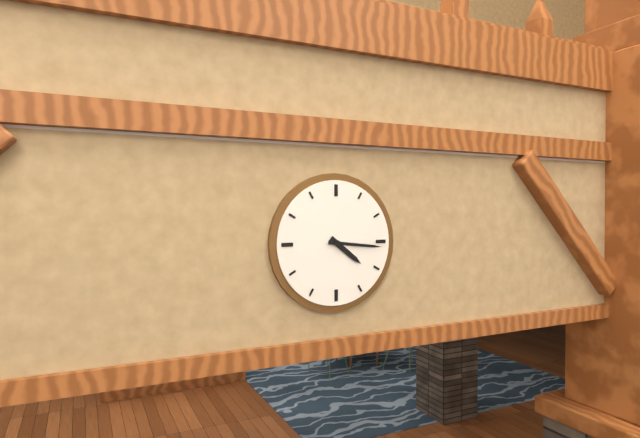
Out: 4h16
